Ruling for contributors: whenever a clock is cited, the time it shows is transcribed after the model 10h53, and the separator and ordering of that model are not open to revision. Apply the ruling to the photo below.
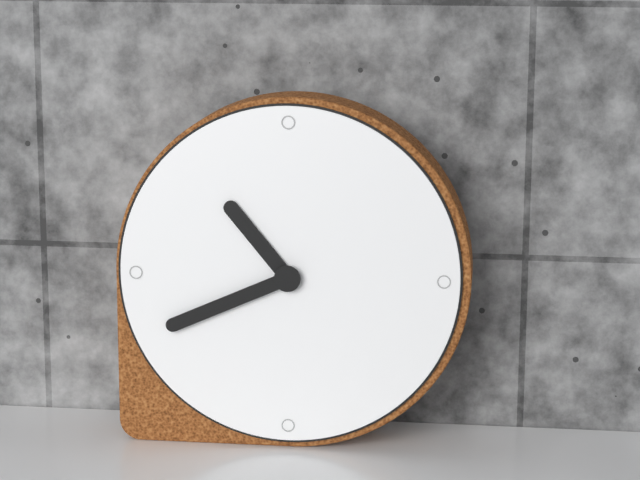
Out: 10h41
